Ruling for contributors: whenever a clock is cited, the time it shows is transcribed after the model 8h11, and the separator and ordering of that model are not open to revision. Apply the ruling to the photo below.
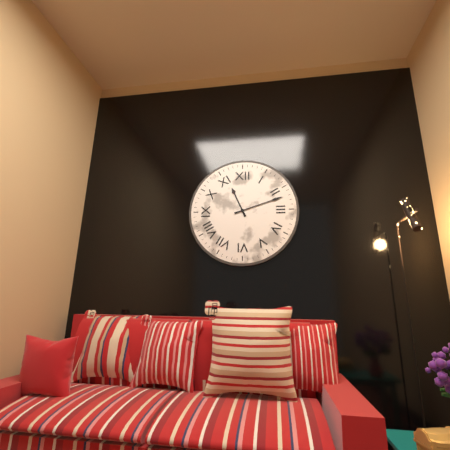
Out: 11h12
